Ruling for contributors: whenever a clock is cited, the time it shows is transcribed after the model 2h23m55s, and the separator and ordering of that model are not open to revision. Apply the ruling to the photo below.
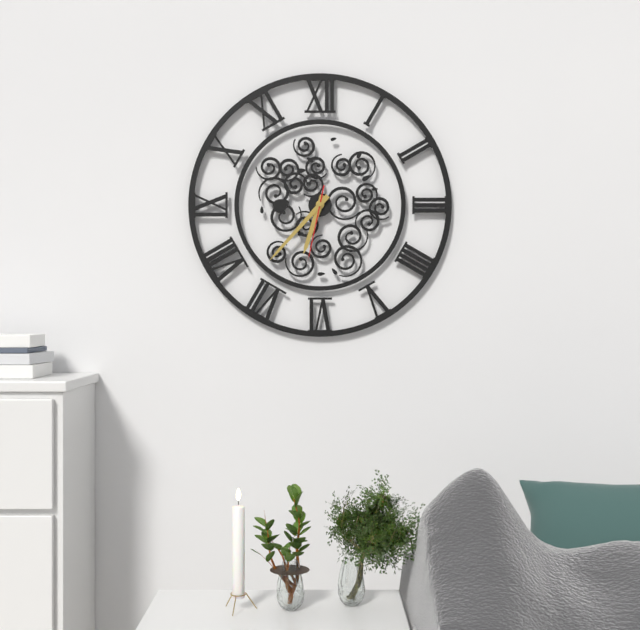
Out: 6h37m32s
